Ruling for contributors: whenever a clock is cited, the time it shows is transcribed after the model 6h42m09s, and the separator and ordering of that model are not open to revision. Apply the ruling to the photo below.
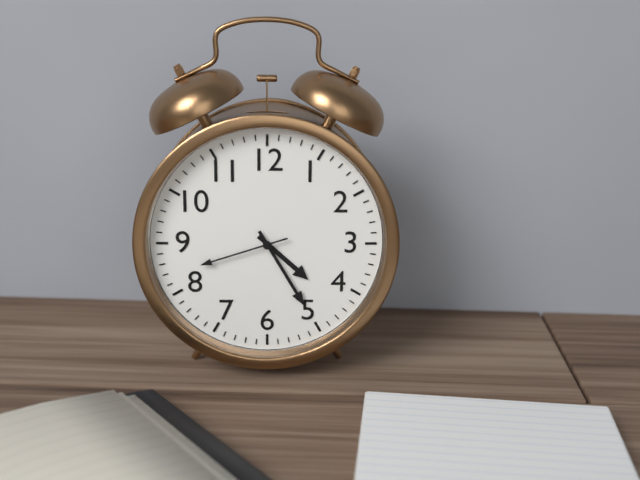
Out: 4h25m42s
